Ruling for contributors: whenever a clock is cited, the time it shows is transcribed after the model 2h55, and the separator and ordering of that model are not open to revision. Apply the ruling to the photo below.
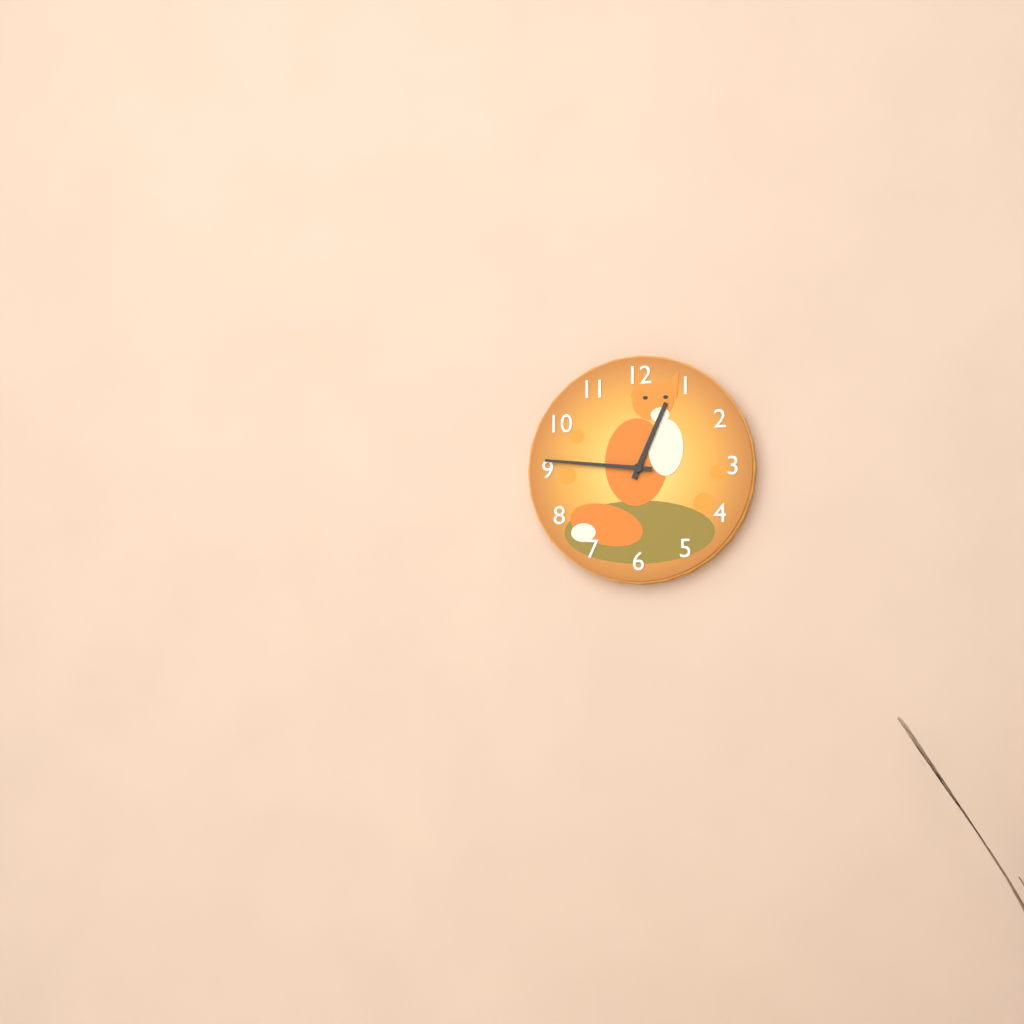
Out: 12h46
